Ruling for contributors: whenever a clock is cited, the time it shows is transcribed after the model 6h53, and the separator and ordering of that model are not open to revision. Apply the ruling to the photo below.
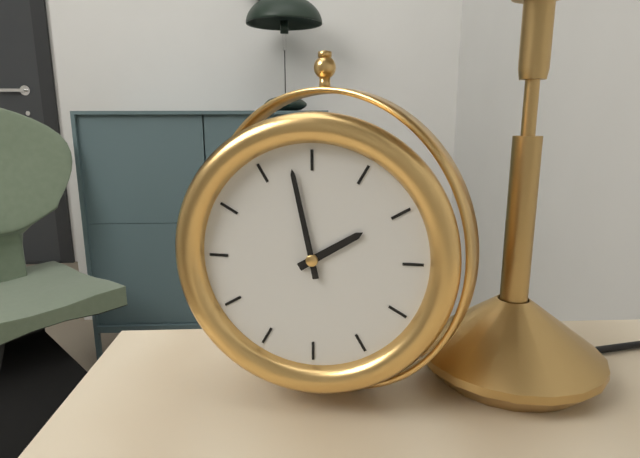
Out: 1h58
